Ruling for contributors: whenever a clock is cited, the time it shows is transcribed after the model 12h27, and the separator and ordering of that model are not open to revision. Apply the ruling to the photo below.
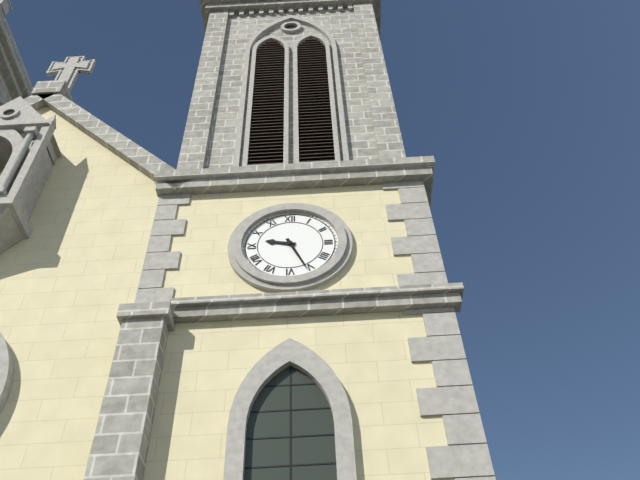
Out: 9h26
